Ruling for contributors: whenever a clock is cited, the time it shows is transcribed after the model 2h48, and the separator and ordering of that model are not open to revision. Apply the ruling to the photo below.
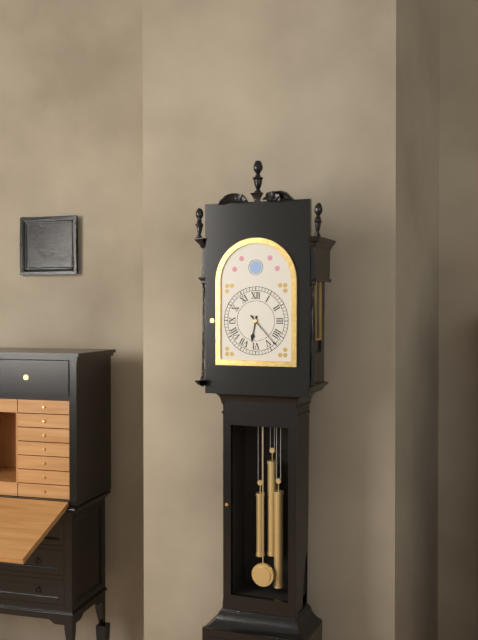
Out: 6h23
